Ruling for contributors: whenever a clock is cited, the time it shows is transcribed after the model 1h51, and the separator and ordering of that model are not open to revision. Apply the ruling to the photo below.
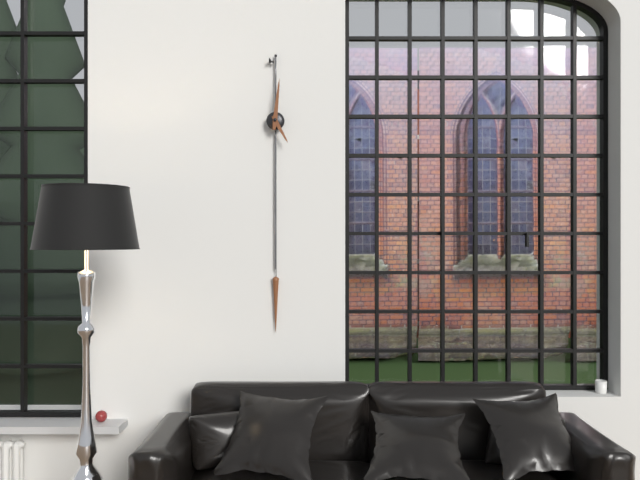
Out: 5h01
